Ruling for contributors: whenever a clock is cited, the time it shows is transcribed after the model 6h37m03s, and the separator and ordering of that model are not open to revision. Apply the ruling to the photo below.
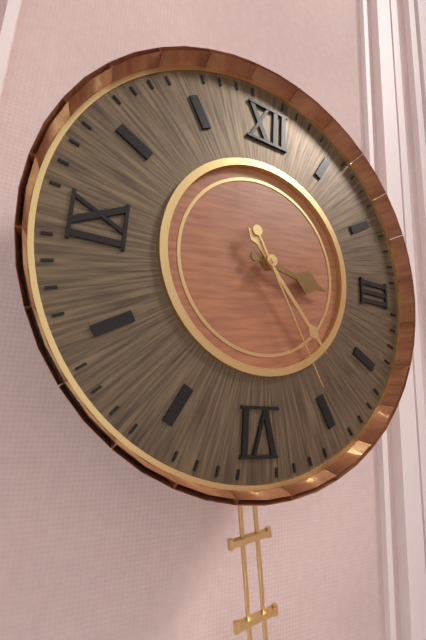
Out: 3h23m25s
